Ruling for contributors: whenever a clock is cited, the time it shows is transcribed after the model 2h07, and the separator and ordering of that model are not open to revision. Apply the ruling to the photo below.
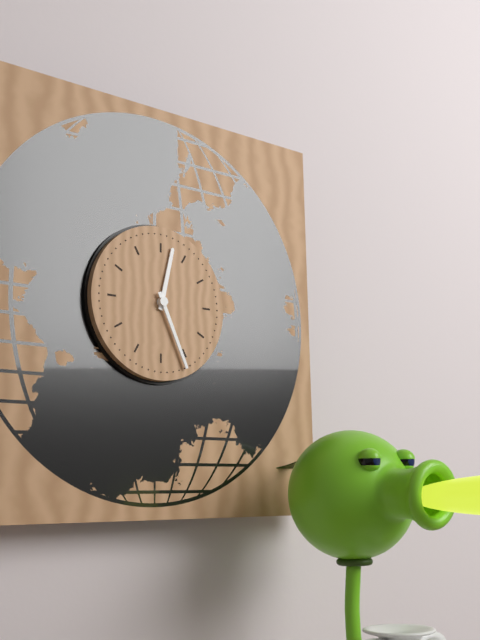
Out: 12h26
